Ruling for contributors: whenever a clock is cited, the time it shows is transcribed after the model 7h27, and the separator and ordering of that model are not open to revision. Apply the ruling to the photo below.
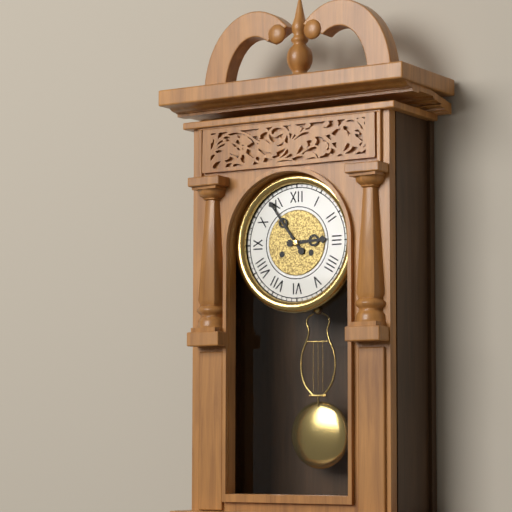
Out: 2h54
